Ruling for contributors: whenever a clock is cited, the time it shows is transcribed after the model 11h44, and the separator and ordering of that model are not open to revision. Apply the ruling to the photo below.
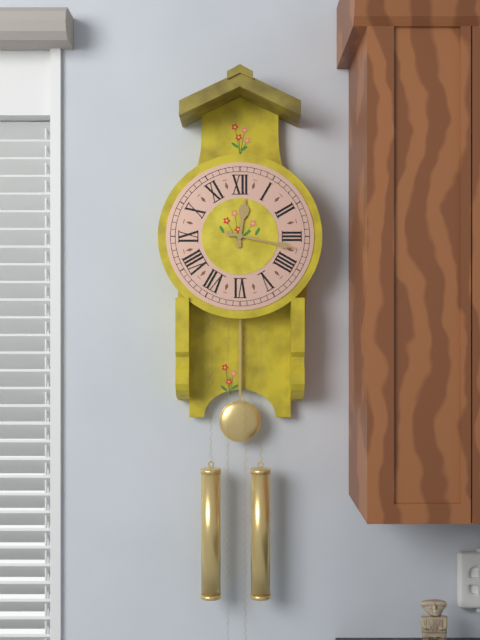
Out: 12h17
